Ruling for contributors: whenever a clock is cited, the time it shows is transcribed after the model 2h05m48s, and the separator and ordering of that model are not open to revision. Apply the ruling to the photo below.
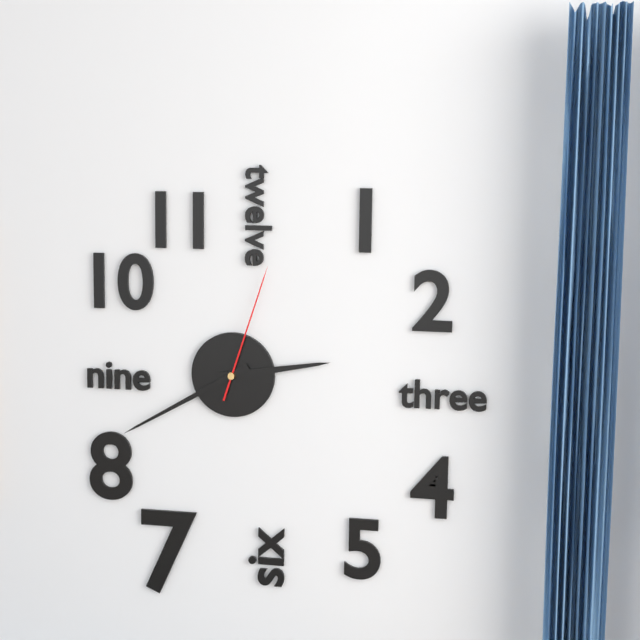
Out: 2h40m03s
